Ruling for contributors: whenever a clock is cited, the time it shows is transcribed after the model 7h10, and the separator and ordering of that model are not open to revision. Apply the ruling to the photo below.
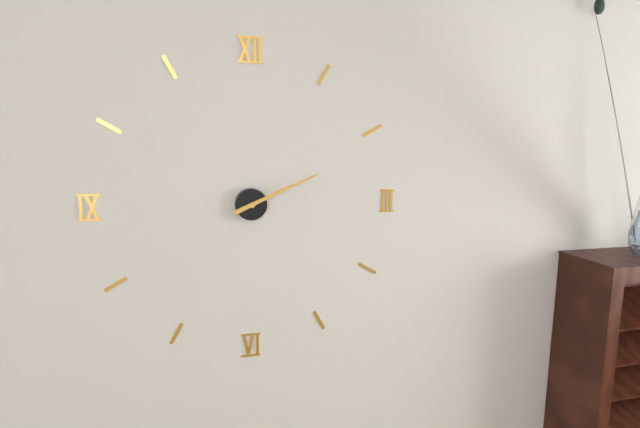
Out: 2h11
